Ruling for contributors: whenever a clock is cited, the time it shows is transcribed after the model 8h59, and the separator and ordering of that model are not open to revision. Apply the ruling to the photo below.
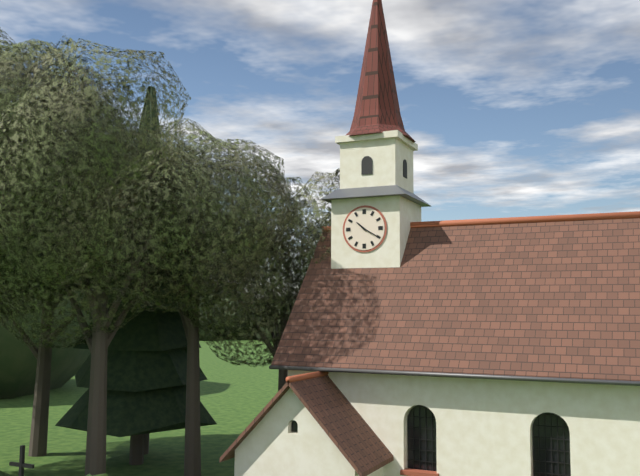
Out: 10h20
